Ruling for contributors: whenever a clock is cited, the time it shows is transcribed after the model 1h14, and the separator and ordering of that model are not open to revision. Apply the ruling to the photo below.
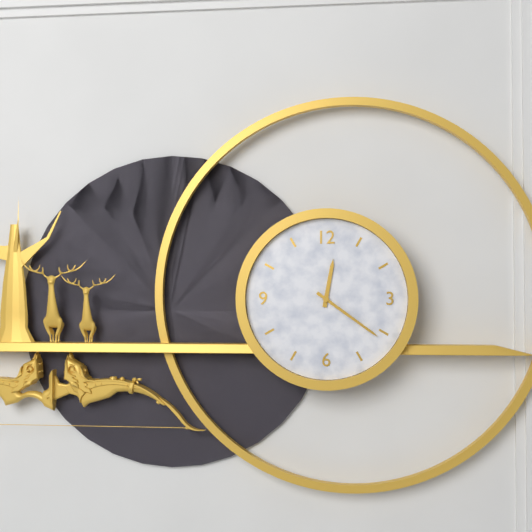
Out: 12h21
